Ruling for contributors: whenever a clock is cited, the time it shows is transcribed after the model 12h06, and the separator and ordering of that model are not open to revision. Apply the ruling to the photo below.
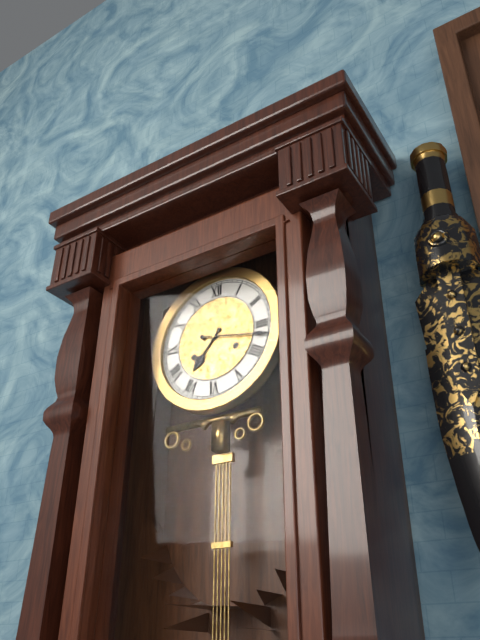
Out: 7h17
